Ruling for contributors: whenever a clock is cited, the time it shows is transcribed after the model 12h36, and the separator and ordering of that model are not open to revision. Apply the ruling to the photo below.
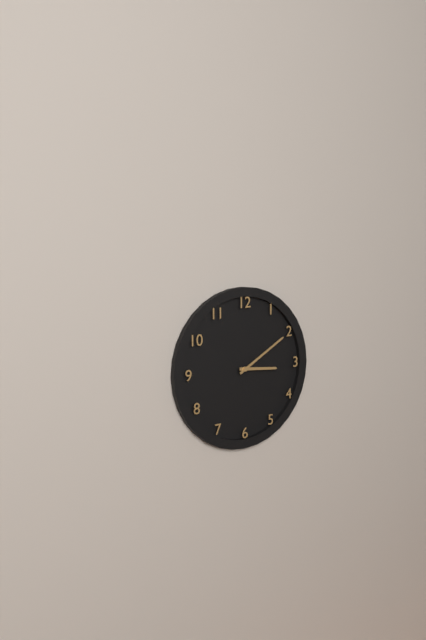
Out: 3h10
